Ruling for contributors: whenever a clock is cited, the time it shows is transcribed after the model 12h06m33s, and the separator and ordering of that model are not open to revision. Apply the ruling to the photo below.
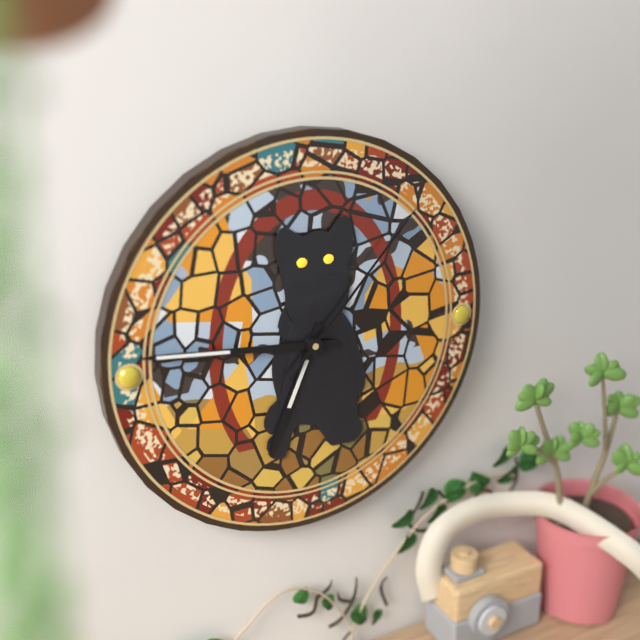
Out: 6h46m07s
